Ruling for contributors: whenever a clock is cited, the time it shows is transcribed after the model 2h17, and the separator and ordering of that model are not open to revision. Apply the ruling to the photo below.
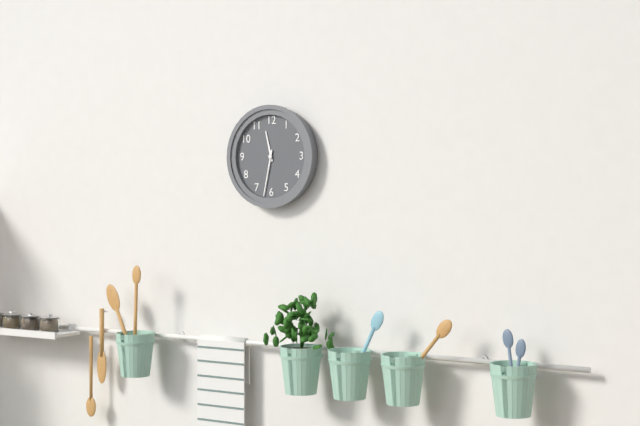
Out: 11h32
